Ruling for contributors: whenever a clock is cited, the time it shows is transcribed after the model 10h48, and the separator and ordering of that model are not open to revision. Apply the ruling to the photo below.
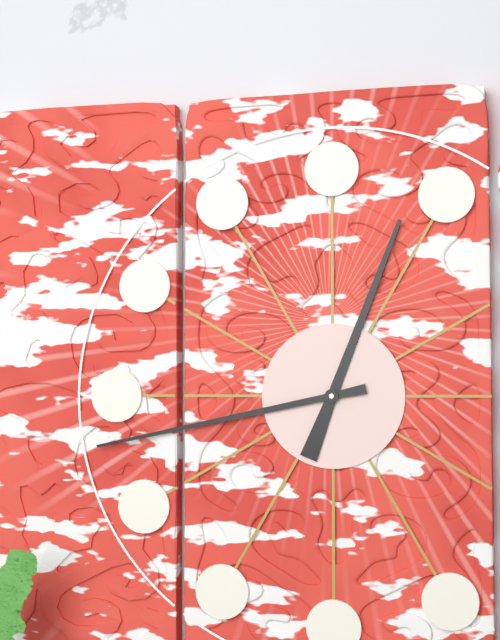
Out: 12h43
